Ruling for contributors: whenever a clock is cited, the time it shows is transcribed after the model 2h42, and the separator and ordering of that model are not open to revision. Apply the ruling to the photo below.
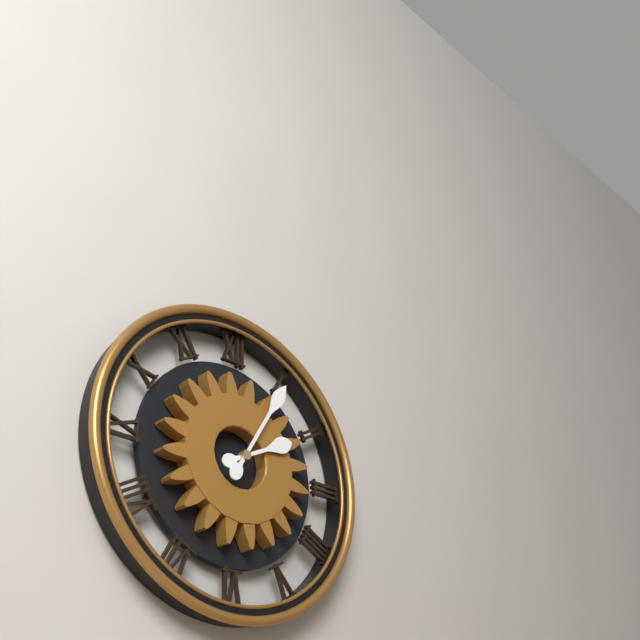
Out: 2h05
